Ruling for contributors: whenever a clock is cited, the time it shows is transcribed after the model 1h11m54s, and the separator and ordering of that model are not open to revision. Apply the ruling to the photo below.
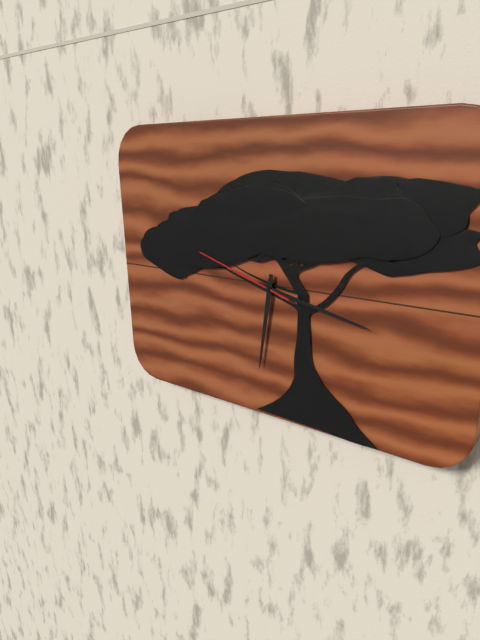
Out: 6h17m48s
